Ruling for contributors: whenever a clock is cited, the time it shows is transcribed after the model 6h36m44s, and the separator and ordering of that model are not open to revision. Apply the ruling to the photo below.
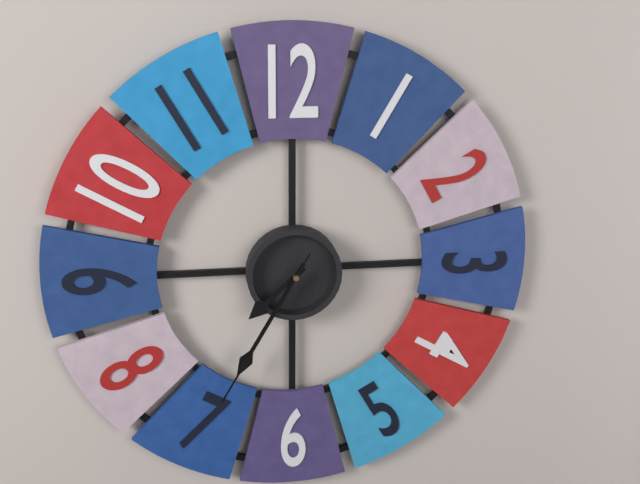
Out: 7h35m35s
